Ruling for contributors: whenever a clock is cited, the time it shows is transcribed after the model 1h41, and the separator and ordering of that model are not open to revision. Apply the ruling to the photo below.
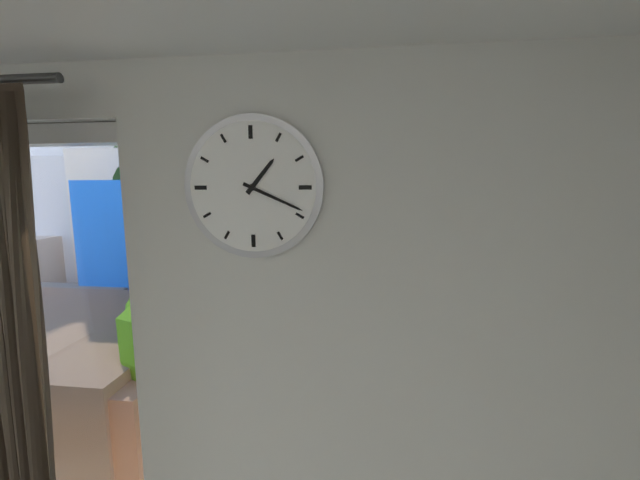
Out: 1h19
